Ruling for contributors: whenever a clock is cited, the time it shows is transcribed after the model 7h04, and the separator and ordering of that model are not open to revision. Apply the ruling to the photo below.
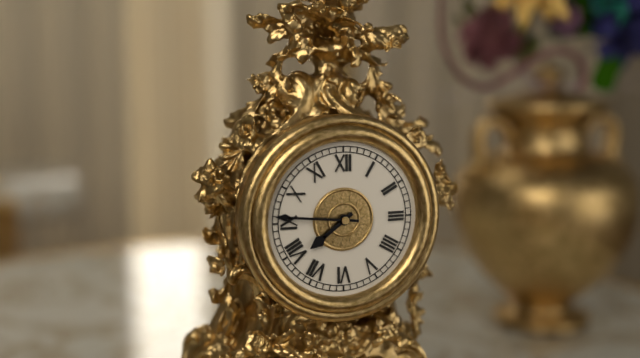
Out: 7h46
